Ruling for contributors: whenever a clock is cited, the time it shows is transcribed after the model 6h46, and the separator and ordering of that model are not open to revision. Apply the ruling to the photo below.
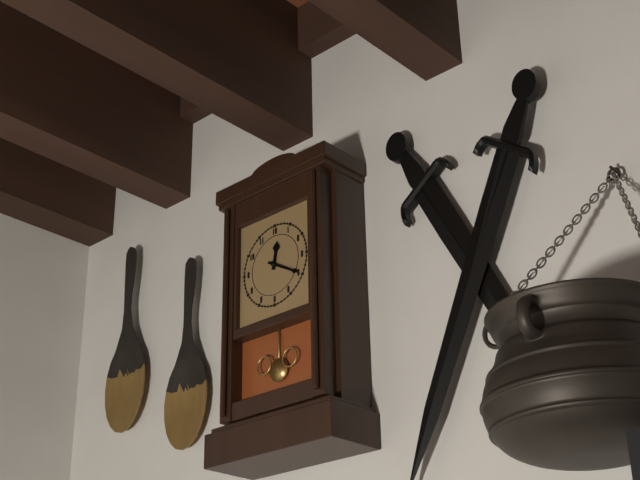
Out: 12h20
